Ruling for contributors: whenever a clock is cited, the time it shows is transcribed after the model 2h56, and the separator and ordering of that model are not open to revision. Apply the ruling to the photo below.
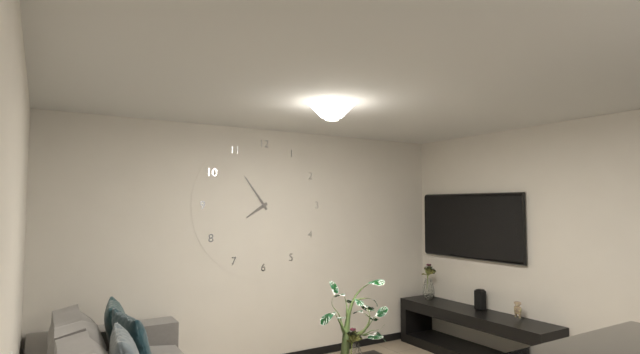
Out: 7h54
